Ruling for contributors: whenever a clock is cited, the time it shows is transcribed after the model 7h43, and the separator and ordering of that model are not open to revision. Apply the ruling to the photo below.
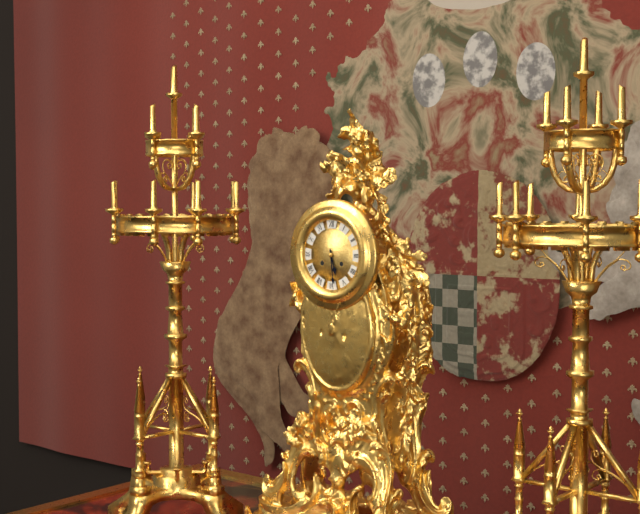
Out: 5h29
